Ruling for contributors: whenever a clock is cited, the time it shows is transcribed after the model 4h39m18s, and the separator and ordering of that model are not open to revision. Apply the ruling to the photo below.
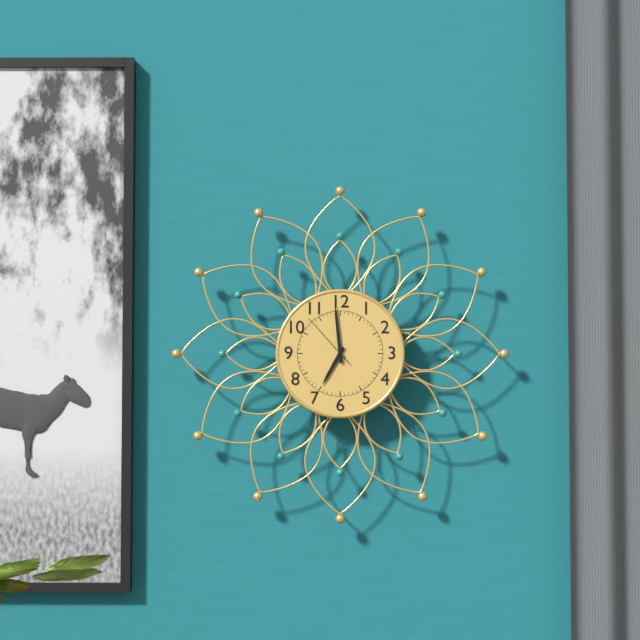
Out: 6h59m53s
